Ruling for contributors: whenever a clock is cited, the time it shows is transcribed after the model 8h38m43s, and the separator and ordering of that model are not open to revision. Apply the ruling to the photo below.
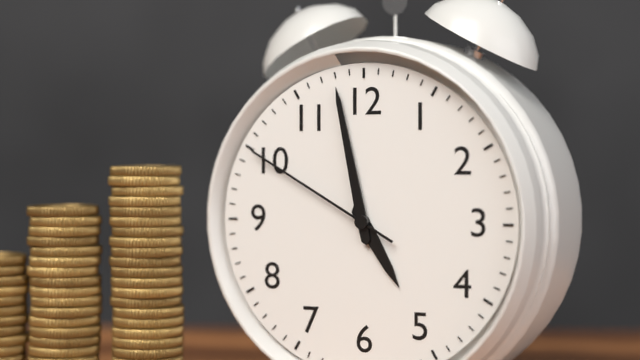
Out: 4h58m50s
